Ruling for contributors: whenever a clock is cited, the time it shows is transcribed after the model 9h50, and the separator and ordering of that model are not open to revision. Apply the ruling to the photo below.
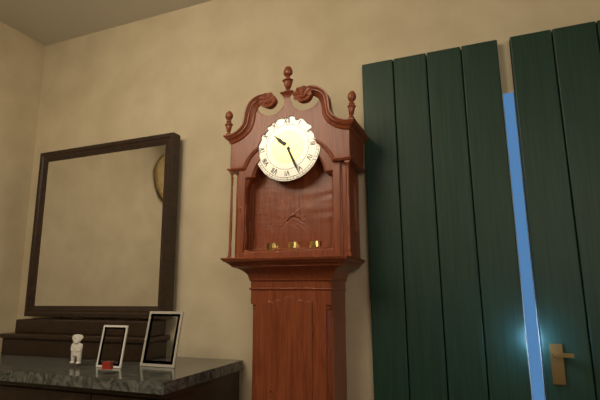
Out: 10h26
